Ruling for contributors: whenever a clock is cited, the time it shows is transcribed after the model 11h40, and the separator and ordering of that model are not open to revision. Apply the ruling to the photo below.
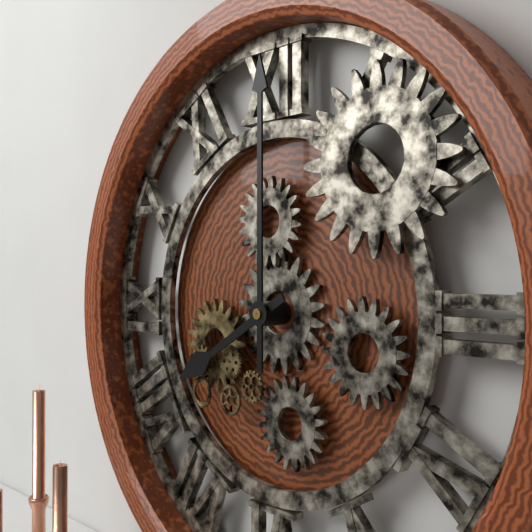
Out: 8h00
